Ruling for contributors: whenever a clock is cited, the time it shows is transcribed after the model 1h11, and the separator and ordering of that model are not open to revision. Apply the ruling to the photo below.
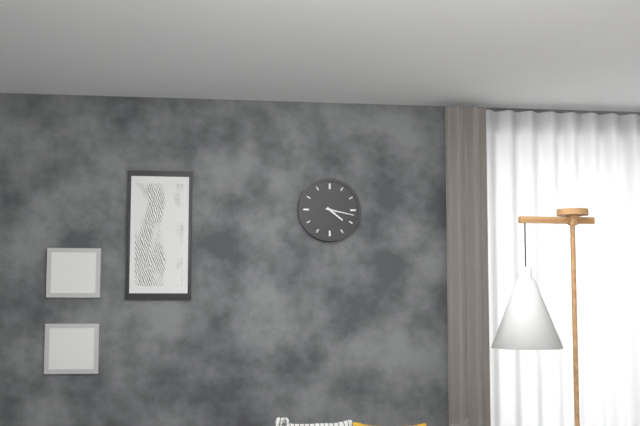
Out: 4h17
